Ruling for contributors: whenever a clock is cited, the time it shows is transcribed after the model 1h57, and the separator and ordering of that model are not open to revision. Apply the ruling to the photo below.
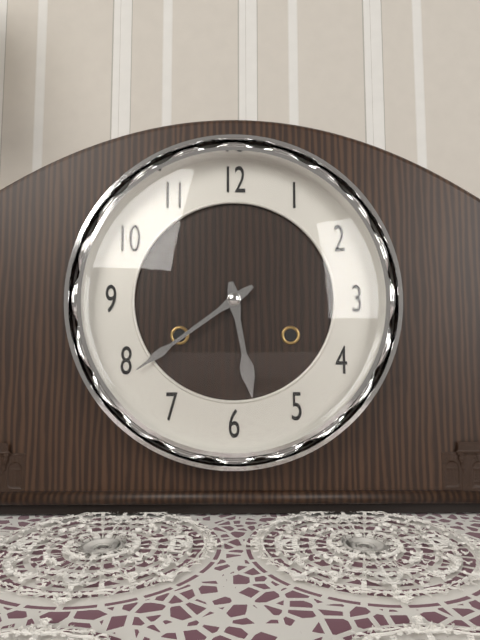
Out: 5h39
